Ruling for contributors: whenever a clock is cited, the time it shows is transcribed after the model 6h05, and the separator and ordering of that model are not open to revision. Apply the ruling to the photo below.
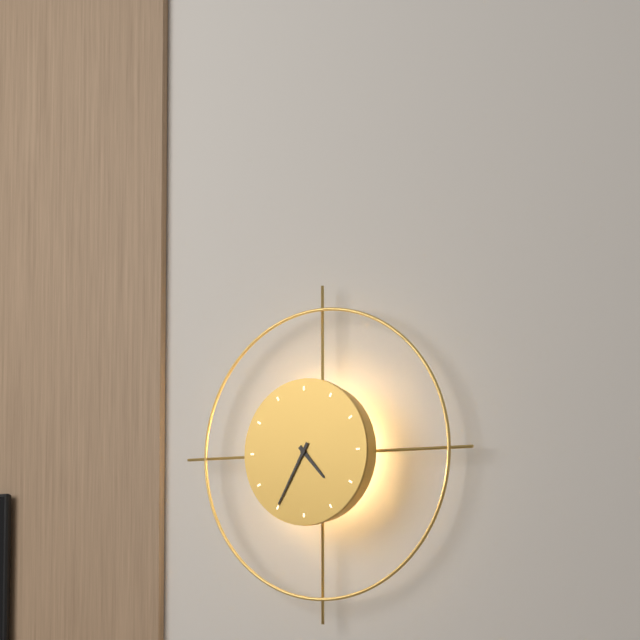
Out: 4h35
